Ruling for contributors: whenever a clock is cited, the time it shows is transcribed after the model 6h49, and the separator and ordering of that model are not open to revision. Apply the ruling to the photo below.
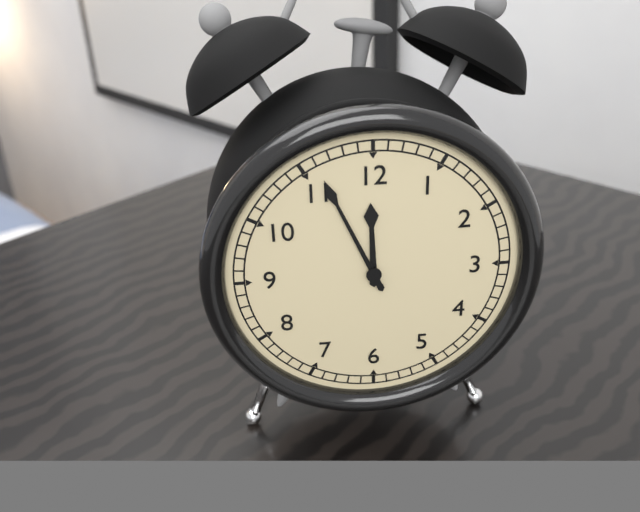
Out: 11h56
